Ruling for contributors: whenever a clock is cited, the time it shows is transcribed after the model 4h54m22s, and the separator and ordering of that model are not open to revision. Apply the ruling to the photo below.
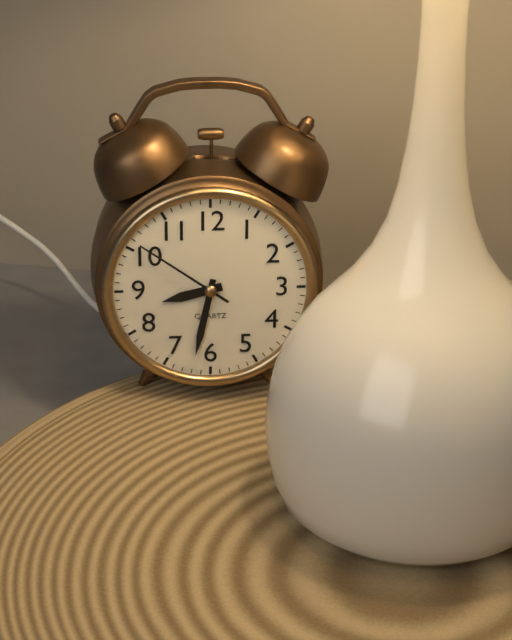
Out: 8h32m51s
